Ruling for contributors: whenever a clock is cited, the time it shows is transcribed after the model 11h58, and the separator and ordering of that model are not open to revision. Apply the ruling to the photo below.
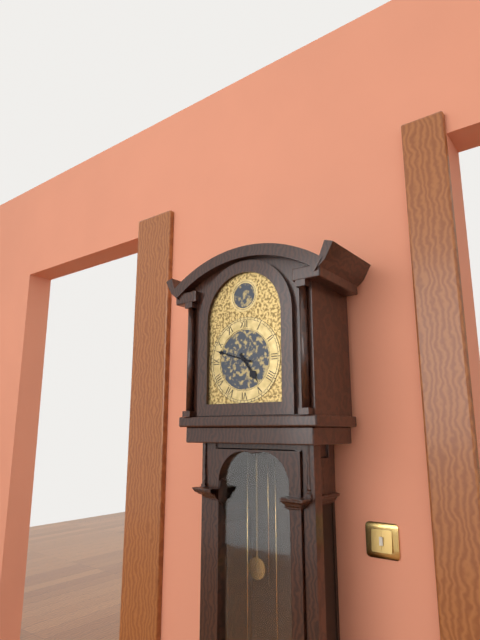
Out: 4h48
